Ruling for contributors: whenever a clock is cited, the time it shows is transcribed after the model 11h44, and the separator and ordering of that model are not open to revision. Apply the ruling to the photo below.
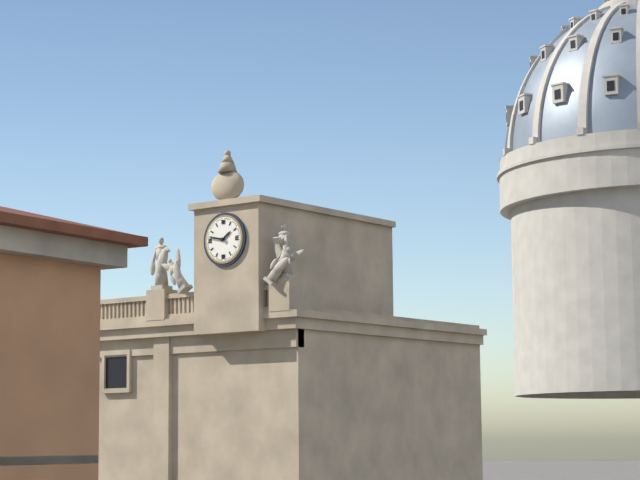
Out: 1h47
